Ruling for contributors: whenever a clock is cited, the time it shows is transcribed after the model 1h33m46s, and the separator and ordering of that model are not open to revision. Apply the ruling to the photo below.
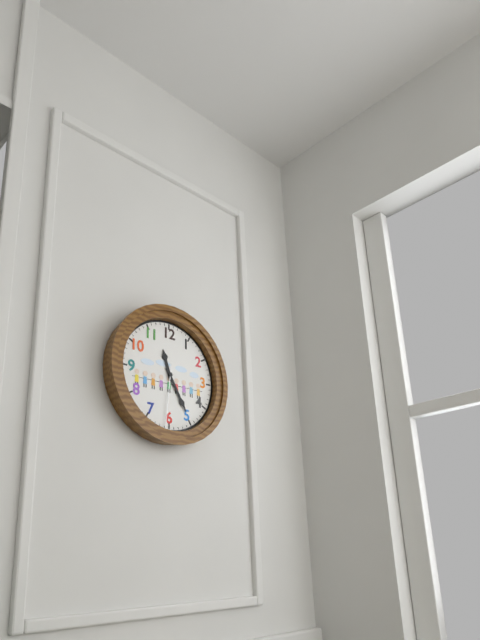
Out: 11h25m31s
